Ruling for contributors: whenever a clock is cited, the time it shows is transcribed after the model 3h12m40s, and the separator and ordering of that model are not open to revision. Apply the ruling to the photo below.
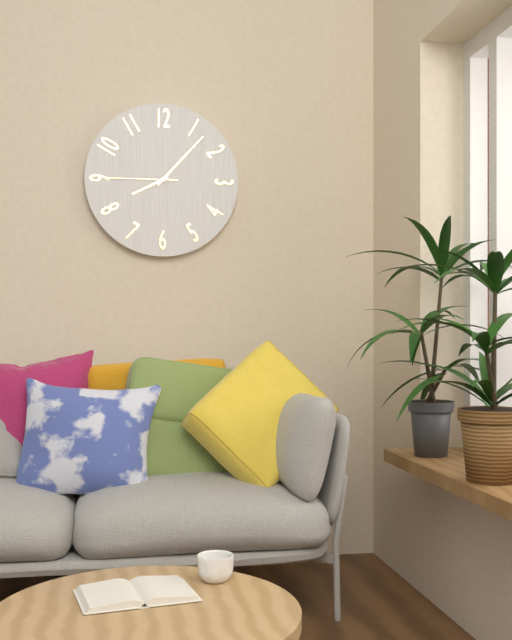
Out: 8h07m45s
